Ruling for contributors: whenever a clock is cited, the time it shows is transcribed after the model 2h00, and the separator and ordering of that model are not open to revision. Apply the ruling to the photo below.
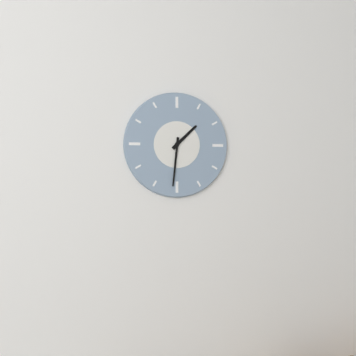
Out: 1h31
